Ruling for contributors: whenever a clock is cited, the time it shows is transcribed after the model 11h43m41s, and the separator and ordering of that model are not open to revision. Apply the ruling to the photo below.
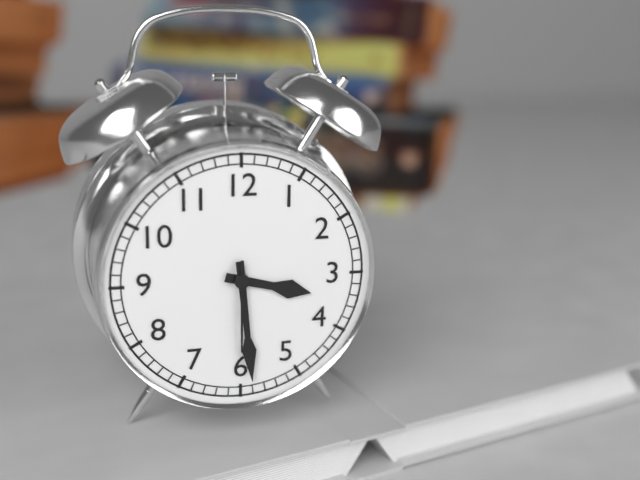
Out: 3h29m30s
